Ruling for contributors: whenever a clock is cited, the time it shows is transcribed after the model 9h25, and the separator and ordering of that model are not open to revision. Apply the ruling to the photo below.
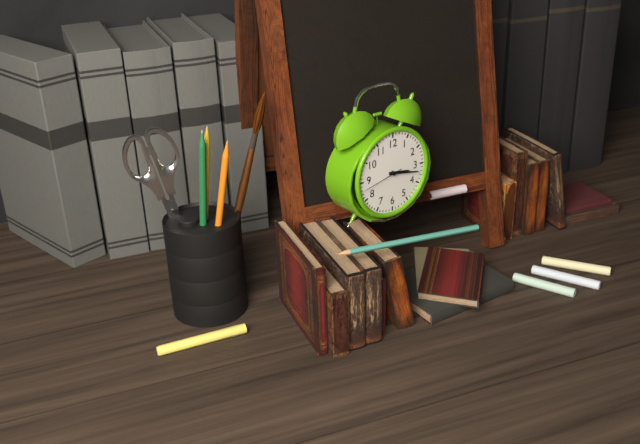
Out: 3h17
